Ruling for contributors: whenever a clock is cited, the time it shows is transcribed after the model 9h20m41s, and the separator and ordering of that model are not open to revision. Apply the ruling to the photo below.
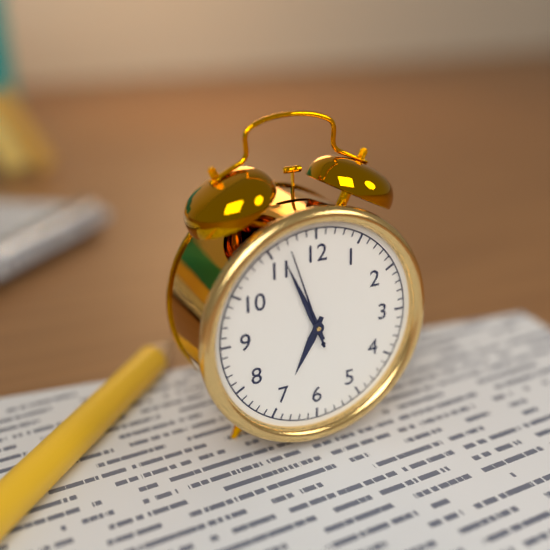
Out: 6h56m57s
